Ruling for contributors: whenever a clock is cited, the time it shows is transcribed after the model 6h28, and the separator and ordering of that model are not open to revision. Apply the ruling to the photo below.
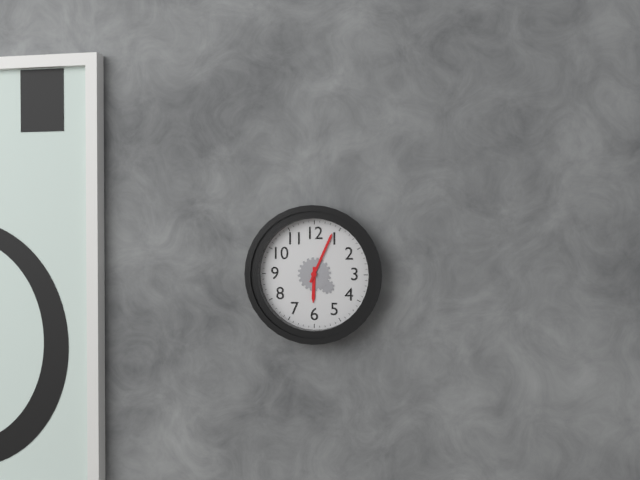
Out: 6h04
